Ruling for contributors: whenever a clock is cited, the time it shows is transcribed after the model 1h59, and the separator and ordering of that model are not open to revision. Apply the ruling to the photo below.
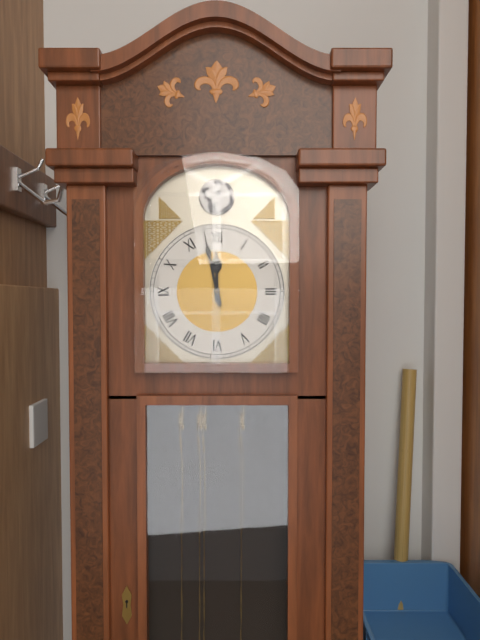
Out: 11h58
